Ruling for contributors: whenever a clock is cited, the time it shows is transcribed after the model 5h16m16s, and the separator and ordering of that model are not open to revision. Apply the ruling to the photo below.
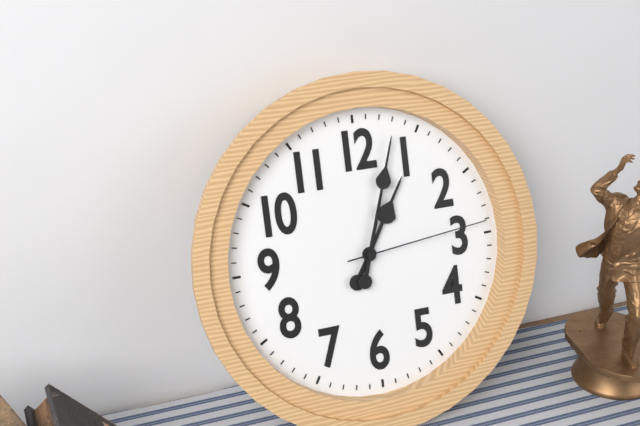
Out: 1h03m14s
